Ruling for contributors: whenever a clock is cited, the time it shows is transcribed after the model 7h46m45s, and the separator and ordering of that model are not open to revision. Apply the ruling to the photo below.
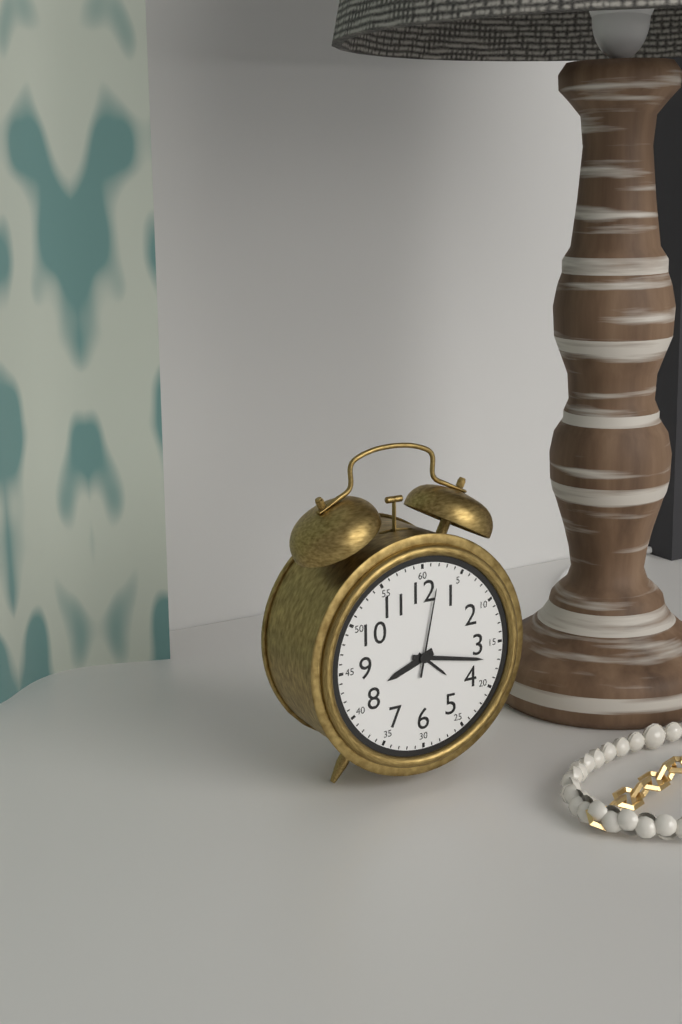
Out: 8h17m02s
